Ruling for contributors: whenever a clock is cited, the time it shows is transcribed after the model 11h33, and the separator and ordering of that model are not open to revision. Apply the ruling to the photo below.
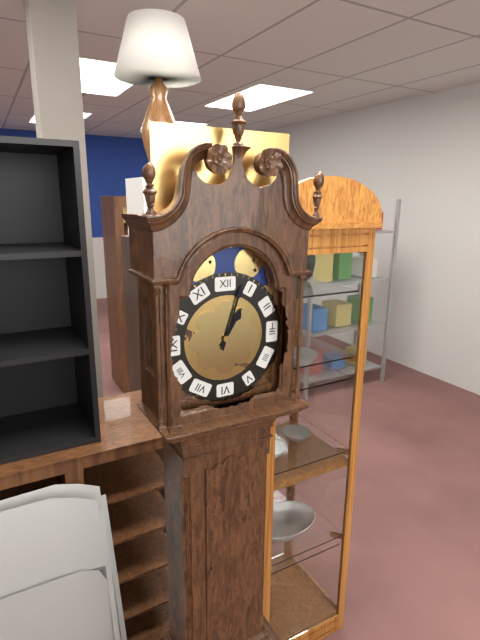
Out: 1h03
